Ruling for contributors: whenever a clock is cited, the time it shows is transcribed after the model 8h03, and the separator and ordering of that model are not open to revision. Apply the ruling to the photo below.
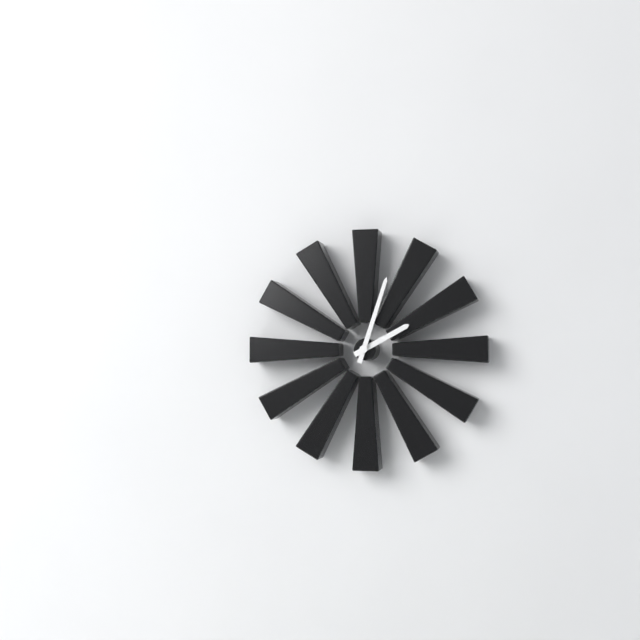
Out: 2h03
